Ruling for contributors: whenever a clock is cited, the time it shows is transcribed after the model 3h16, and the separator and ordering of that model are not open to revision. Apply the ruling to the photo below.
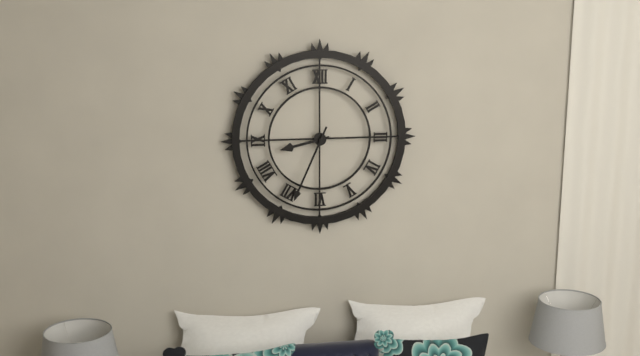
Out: 8h34
